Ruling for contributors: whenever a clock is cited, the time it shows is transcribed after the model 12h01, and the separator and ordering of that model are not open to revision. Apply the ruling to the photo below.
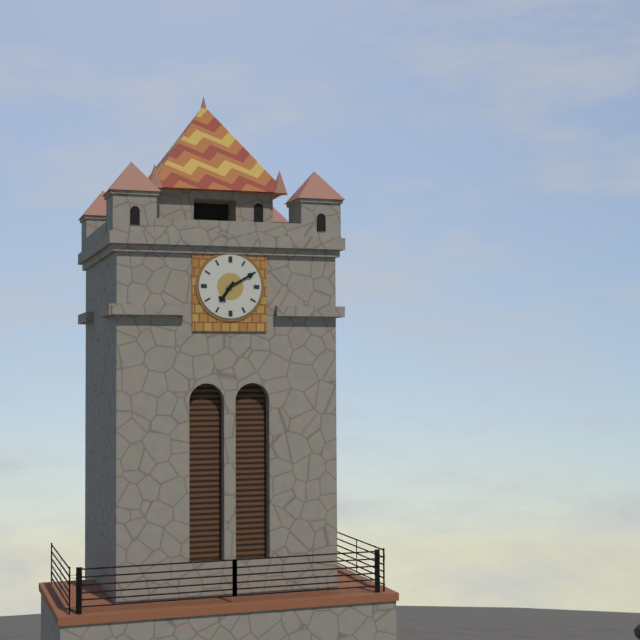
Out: 7h10
